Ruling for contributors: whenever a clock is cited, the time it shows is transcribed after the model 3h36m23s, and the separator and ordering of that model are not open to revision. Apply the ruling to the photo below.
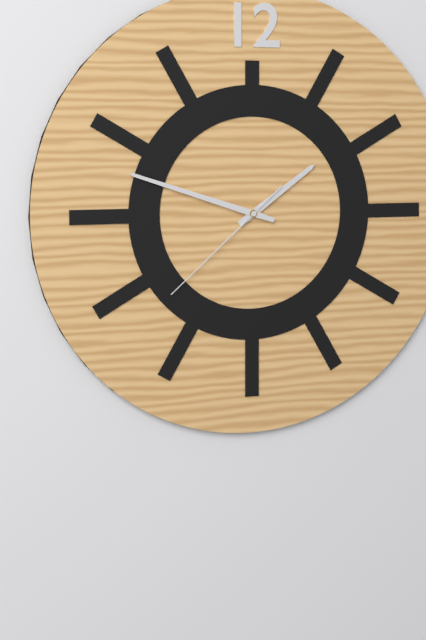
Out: 1h48m38s
